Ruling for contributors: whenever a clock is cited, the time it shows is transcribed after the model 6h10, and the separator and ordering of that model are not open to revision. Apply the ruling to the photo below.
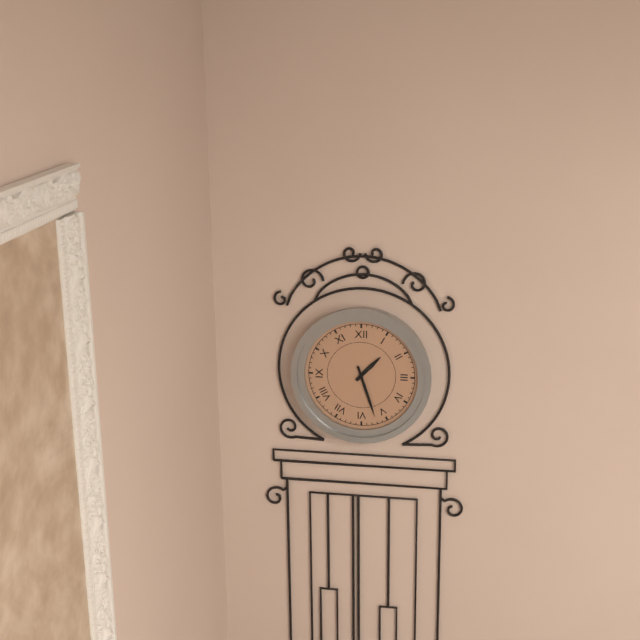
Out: 1h27
